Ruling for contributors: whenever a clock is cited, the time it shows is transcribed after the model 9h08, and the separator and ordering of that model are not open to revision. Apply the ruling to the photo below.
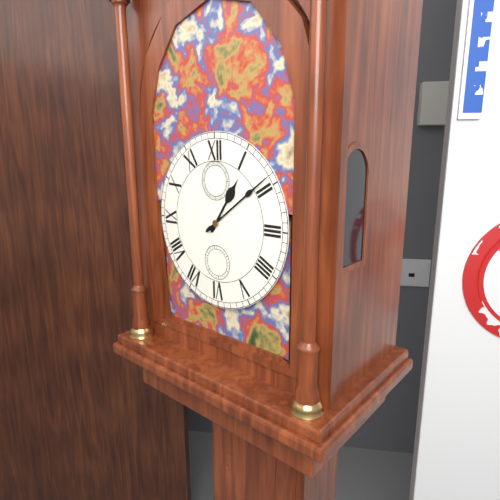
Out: 1h09
